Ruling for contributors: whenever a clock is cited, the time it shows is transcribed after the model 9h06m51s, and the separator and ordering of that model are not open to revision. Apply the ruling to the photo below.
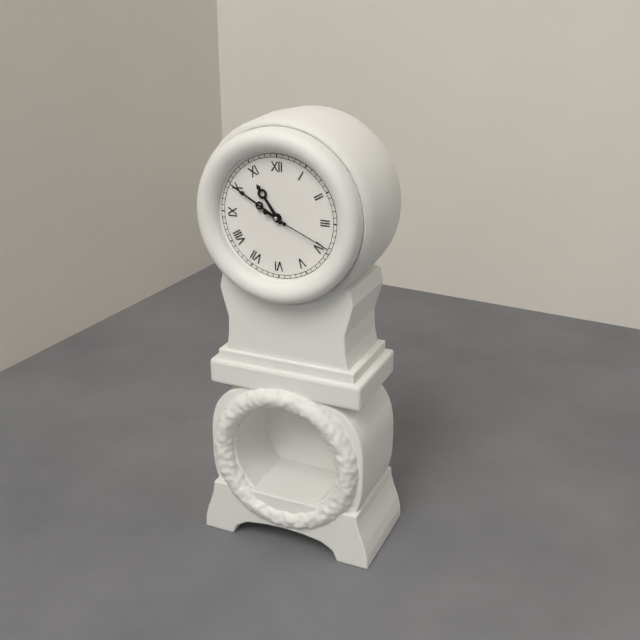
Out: 10h50m19s
